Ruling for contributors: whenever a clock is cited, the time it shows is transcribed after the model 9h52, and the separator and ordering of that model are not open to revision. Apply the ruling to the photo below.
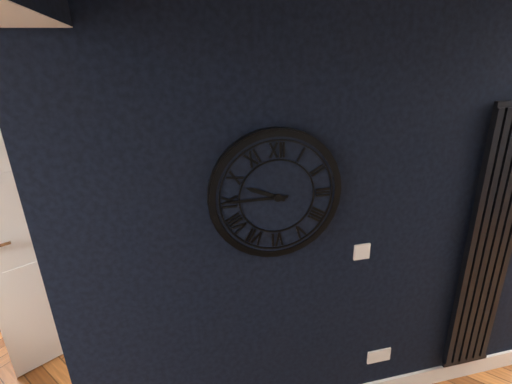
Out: 9h45
